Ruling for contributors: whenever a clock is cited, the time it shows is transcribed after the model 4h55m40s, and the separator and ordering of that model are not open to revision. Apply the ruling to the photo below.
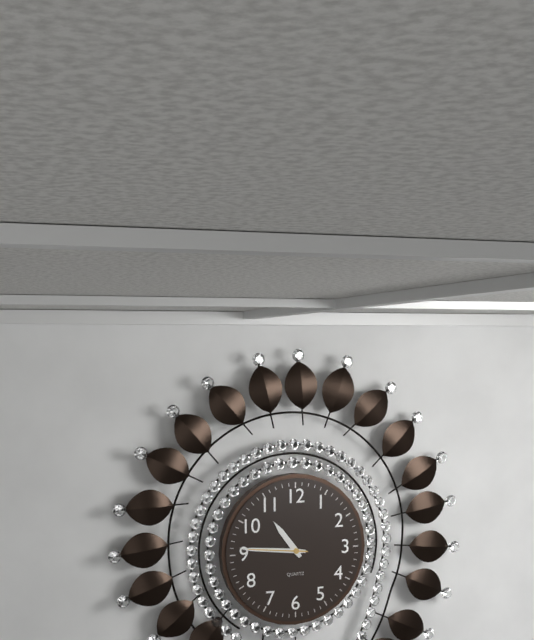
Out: 10h46m46s
